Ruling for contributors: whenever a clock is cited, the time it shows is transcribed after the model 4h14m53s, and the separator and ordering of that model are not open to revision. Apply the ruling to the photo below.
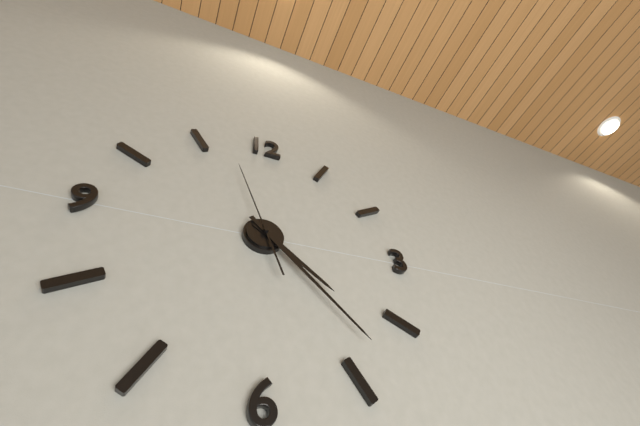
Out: 4h23m57s
